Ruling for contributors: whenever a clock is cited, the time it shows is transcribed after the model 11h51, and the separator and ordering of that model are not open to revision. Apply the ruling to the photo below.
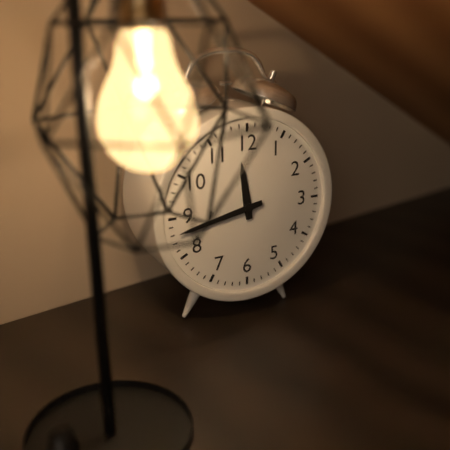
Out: 11h43
